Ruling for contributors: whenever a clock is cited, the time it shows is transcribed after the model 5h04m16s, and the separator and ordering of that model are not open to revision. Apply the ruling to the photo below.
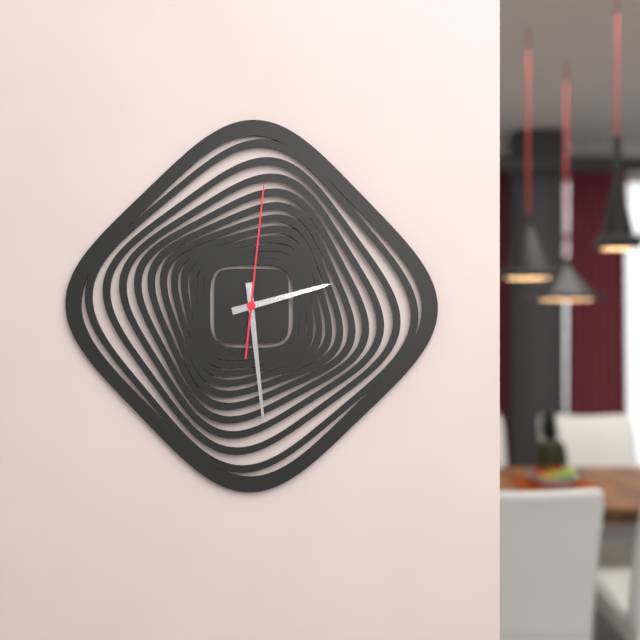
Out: 2h29m01s
